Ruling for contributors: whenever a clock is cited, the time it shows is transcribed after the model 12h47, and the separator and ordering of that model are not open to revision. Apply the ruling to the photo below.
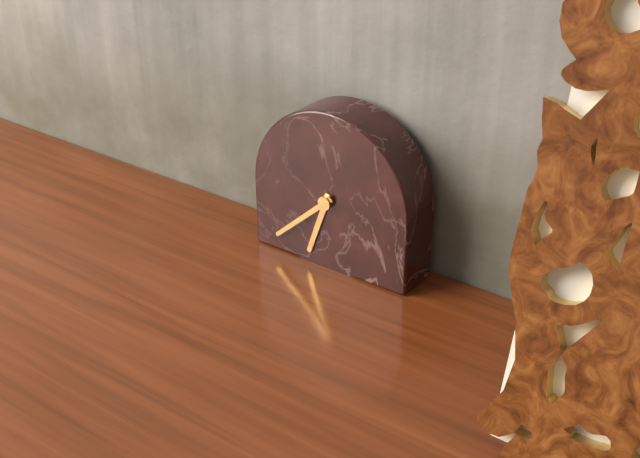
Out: 6h38
